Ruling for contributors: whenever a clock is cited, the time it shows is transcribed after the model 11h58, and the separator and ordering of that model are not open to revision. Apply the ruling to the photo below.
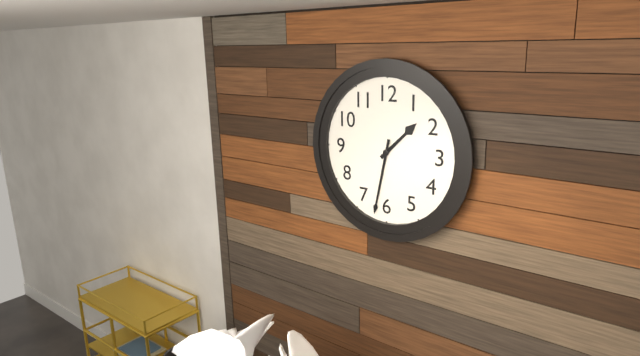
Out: 1h32
